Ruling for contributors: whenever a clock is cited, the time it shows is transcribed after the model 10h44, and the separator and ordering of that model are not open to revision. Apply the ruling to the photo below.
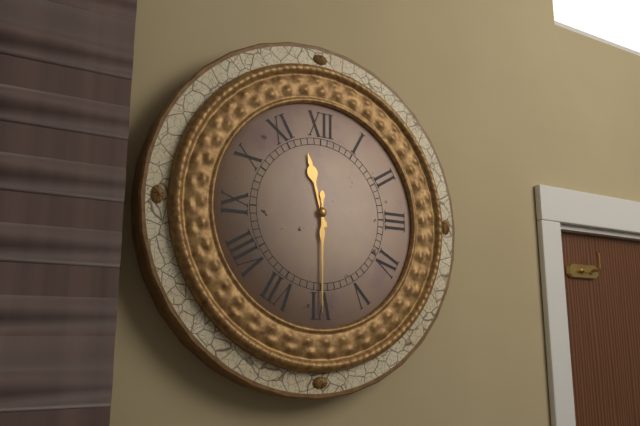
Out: 11h30
